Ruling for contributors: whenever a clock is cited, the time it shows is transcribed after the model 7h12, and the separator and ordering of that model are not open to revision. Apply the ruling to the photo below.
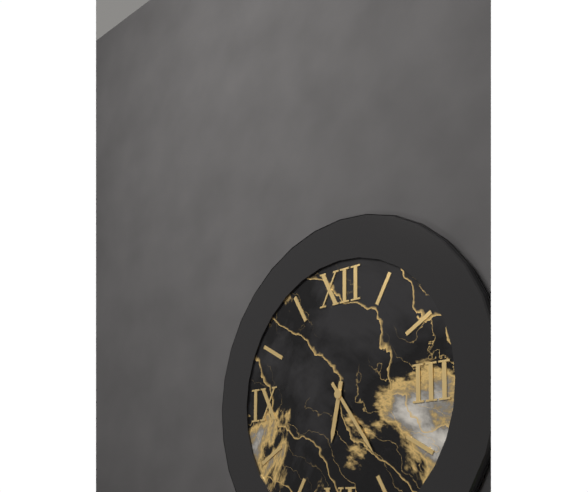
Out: 6h24
